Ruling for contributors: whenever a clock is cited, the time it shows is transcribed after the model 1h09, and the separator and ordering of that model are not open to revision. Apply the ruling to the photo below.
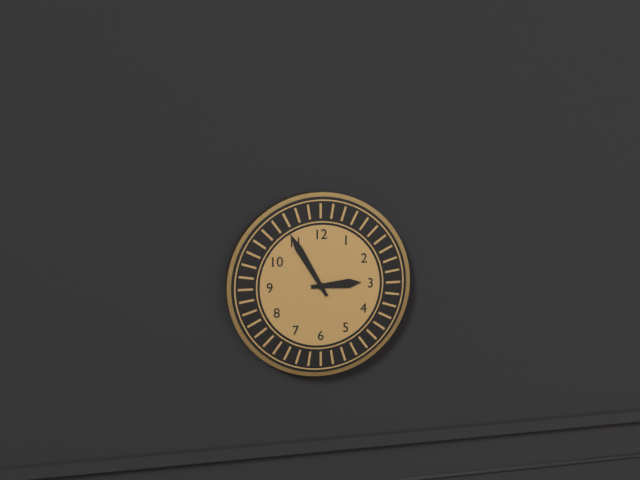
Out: 2h55
